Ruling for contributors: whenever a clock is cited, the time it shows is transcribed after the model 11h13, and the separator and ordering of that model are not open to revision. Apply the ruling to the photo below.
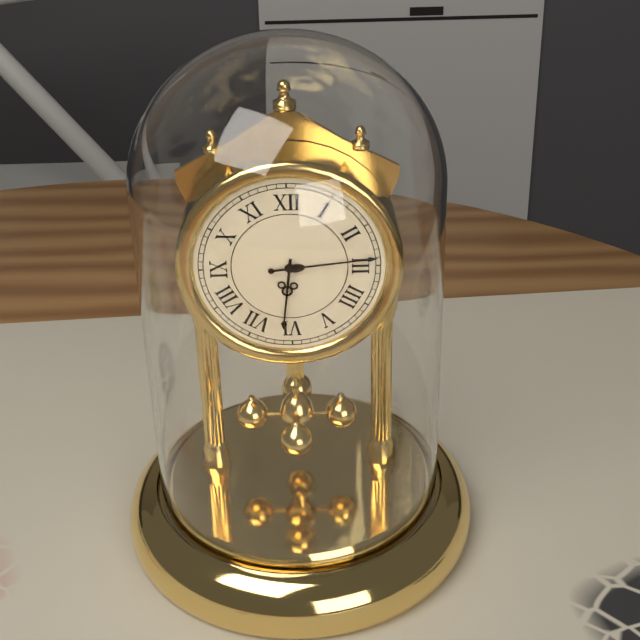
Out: 6h14
